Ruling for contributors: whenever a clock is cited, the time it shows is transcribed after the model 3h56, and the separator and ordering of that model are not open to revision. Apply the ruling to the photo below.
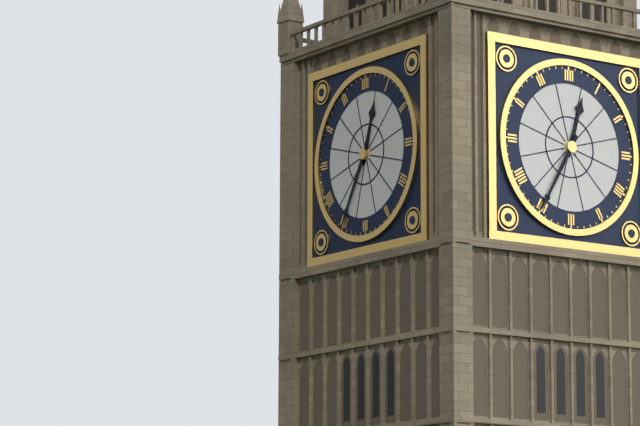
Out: 12h35
